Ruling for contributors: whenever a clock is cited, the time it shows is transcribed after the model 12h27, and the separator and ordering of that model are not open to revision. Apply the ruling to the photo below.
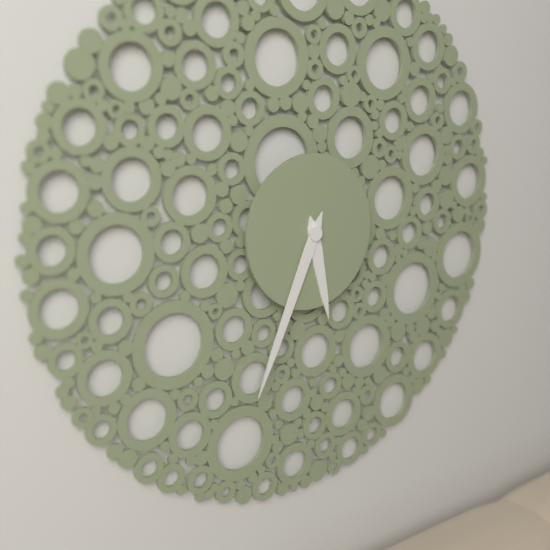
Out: 5h34
